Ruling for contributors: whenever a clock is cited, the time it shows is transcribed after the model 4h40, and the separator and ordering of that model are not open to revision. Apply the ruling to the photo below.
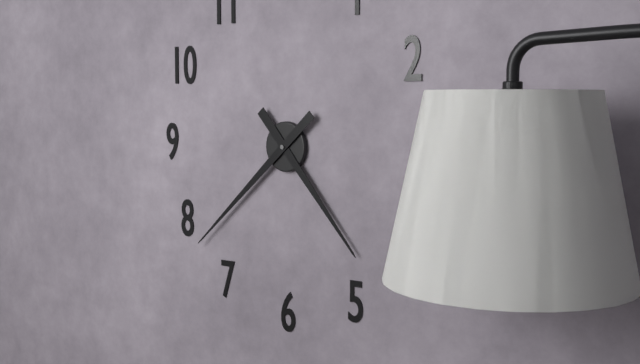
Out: 4h38
